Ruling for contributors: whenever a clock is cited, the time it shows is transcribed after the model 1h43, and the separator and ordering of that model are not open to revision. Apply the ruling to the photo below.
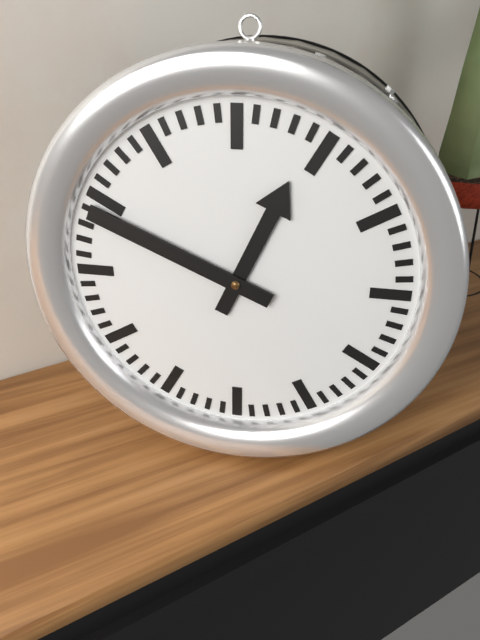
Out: 12h49
